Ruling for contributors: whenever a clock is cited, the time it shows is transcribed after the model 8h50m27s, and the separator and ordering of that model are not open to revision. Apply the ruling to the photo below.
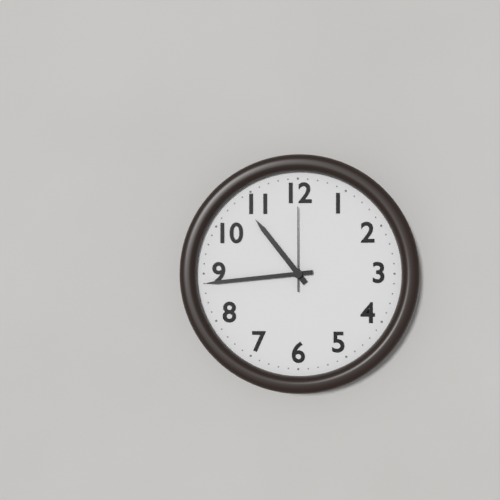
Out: 10h44m00s
